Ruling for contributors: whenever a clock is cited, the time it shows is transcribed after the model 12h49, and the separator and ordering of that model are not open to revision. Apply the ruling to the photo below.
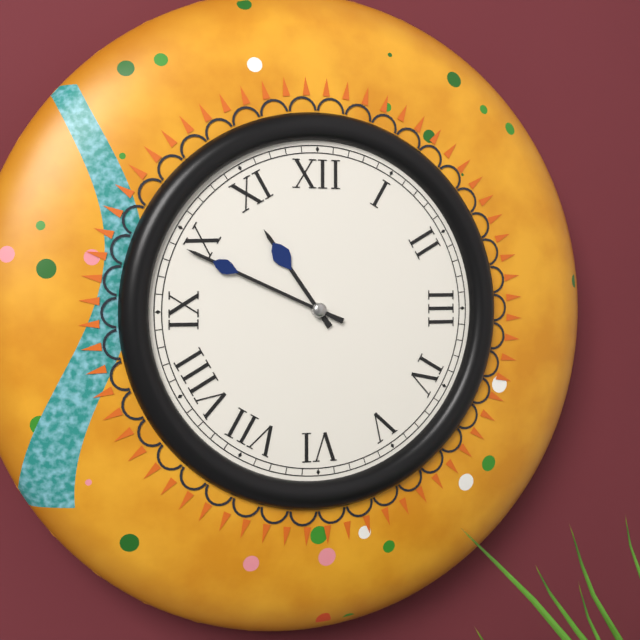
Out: 10h49
